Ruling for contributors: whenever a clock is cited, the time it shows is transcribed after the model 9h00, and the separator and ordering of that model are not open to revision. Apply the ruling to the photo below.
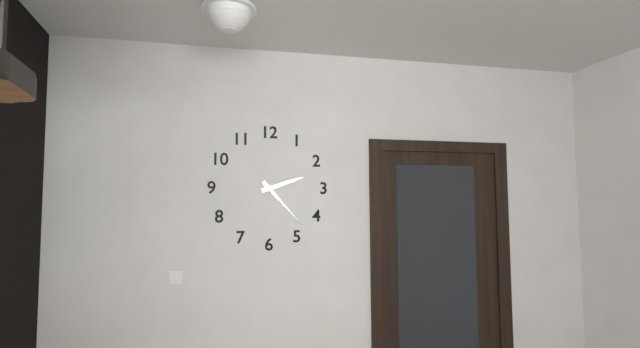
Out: 2h23
